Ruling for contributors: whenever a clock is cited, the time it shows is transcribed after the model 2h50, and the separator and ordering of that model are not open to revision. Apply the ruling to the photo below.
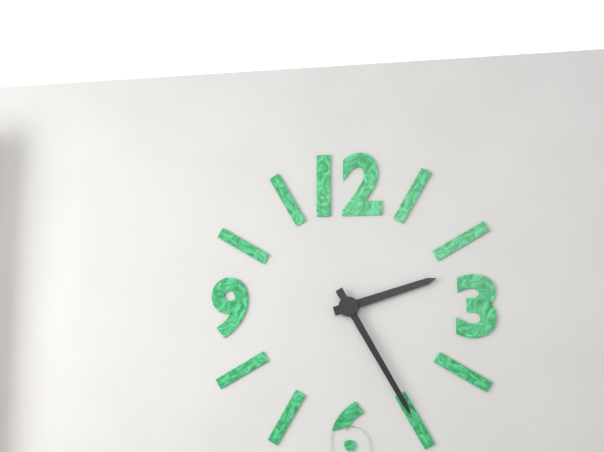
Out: 2h25
